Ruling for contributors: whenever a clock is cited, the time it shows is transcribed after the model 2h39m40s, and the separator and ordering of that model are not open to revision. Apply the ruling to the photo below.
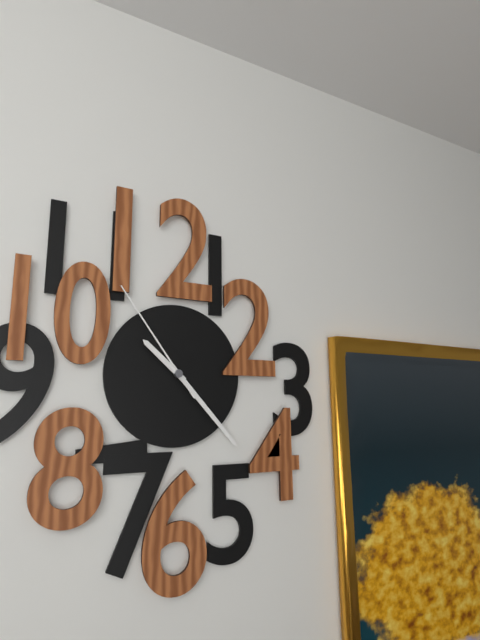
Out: 10h23m54s
